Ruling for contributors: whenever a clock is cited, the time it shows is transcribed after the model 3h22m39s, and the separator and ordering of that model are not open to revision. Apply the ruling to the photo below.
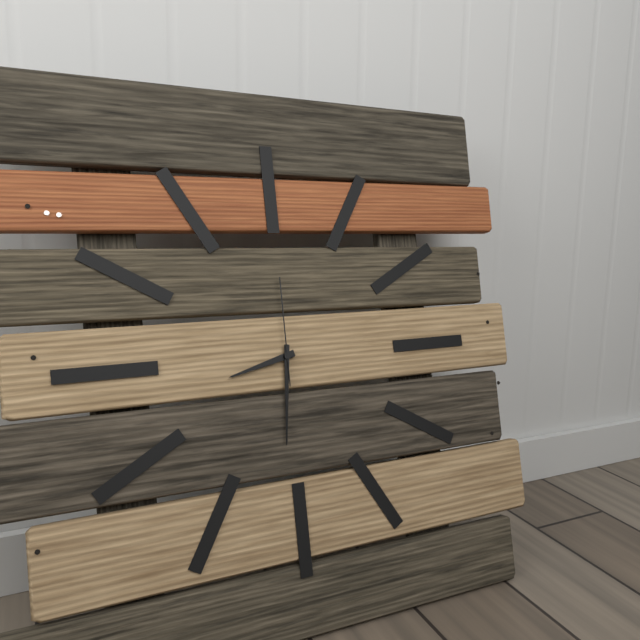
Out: 8h31m00s
